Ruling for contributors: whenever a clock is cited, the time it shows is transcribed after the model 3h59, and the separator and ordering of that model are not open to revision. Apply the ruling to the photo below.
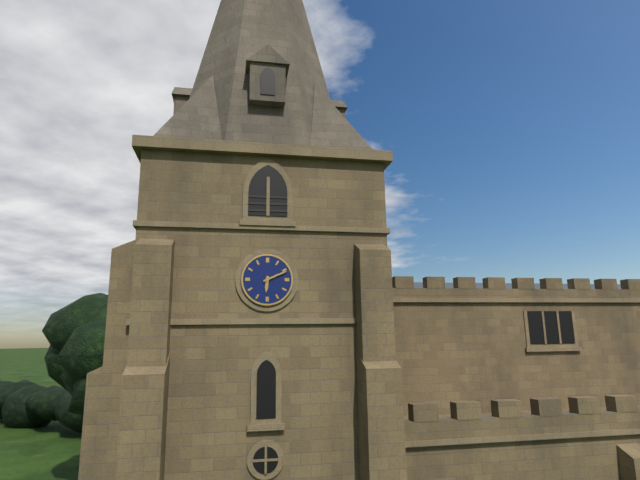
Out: 6h11
